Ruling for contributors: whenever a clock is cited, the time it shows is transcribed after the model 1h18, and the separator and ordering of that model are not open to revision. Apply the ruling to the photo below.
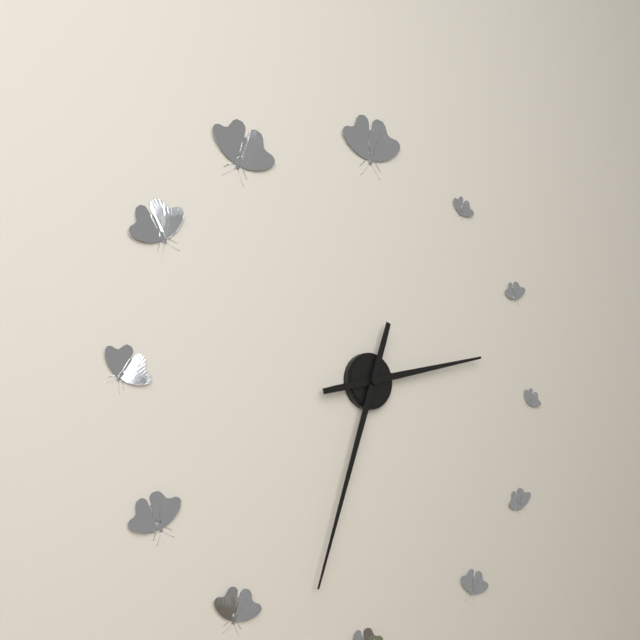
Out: 2h33
